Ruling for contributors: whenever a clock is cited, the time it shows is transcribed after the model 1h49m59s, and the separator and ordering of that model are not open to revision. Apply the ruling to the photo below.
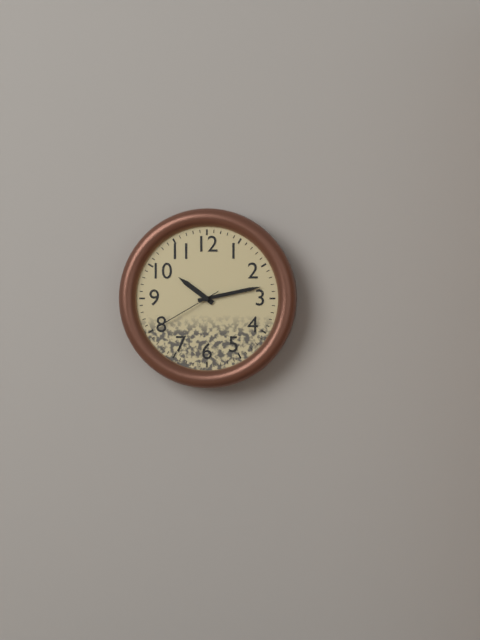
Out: 10h13m40s
